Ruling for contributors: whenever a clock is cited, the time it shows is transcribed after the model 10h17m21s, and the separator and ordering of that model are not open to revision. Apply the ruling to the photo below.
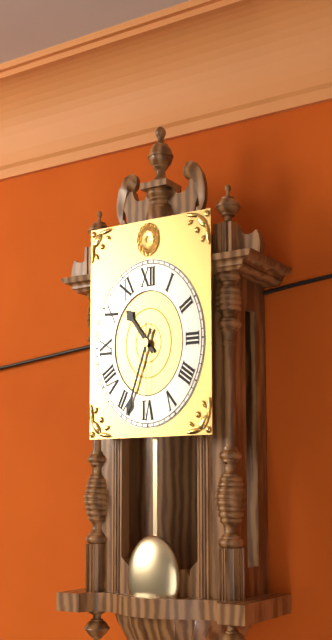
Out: 10h34m30s
